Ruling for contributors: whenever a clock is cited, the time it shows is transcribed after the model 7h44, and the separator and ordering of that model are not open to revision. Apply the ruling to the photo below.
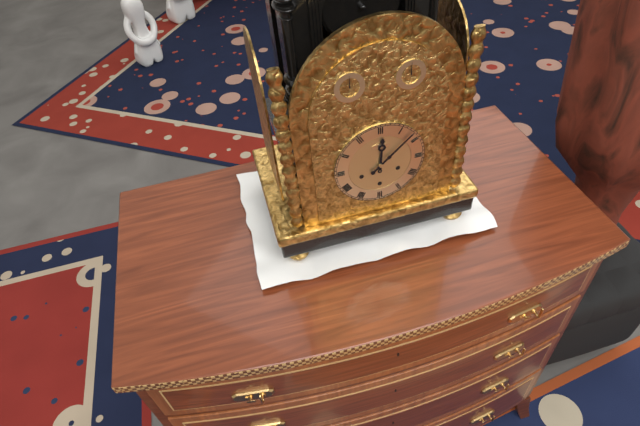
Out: 12h08
